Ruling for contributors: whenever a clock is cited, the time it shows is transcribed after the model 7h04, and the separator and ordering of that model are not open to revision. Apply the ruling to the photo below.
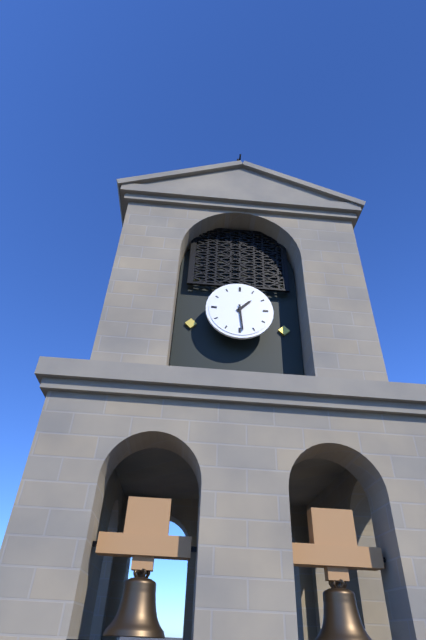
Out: 1h29
